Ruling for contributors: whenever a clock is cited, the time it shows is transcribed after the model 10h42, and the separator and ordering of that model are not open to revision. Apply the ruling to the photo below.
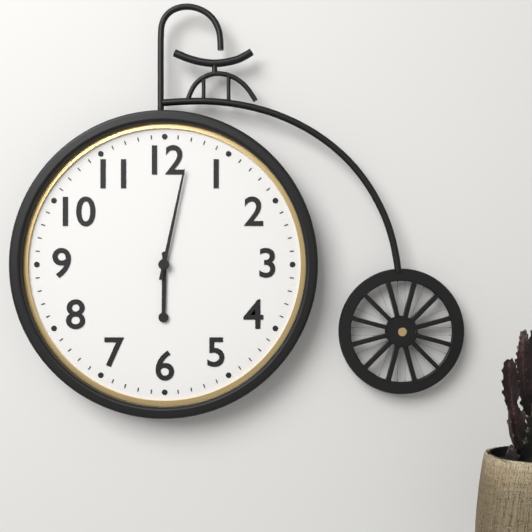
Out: 6h02
